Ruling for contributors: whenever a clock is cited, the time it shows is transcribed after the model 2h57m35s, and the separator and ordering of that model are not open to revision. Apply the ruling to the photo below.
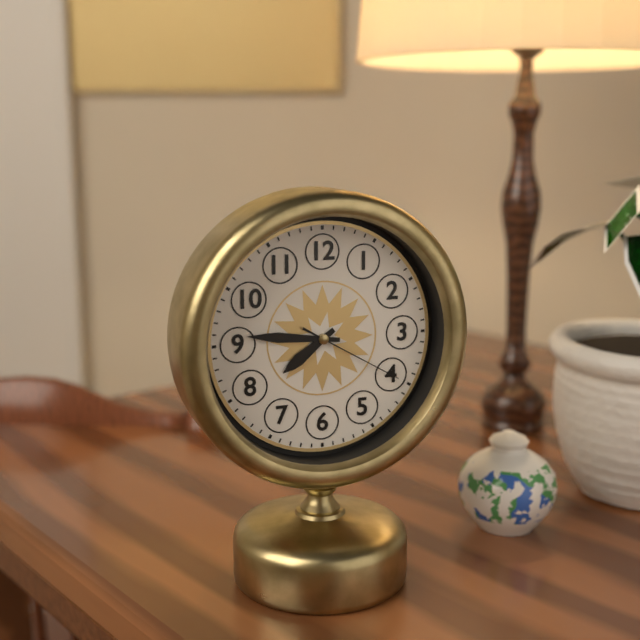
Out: 7h46m20s
